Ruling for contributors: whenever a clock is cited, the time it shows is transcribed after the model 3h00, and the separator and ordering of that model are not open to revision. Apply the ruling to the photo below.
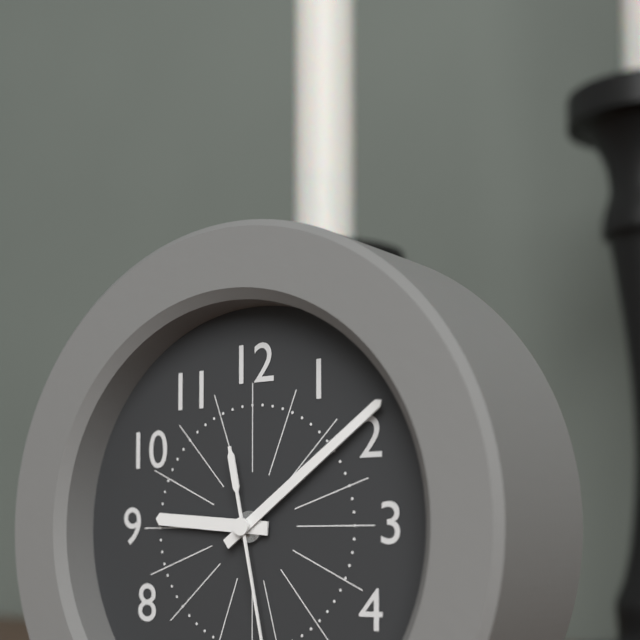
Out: 9h09
